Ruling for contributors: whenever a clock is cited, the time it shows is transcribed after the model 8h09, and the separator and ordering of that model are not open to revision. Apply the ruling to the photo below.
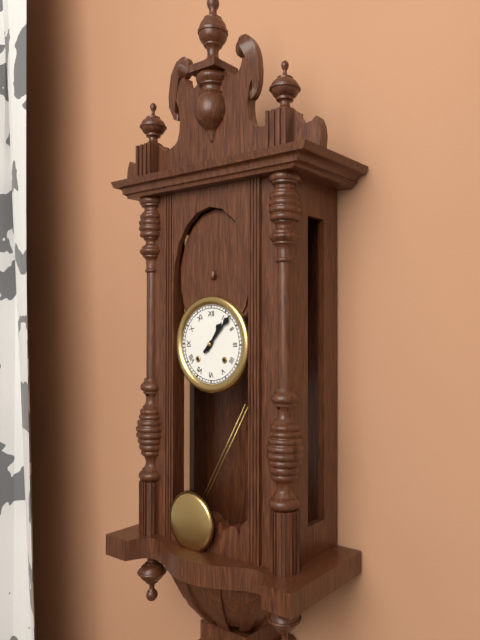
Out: 1h07
